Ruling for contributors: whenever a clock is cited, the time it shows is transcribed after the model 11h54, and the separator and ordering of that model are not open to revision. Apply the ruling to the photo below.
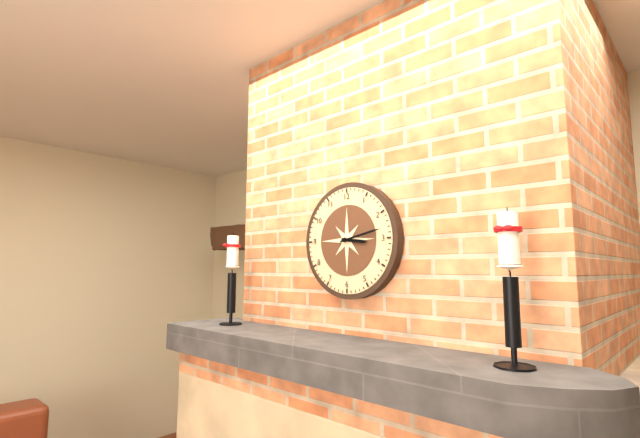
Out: 3h13
